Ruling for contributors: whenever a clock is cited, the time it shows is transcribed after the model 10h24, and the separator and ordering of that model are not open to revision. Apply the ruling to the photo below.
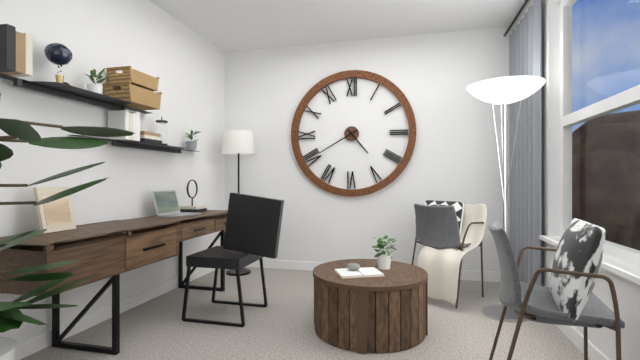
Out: 4h40
